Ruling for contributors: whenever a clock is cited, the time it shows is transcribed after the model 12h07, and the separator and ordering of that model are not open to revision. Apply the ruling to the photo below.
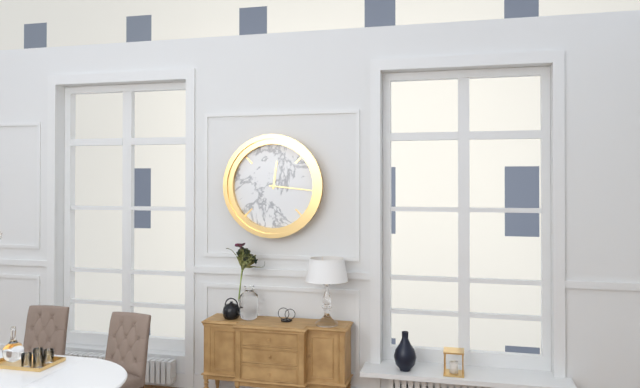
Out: 12h16
